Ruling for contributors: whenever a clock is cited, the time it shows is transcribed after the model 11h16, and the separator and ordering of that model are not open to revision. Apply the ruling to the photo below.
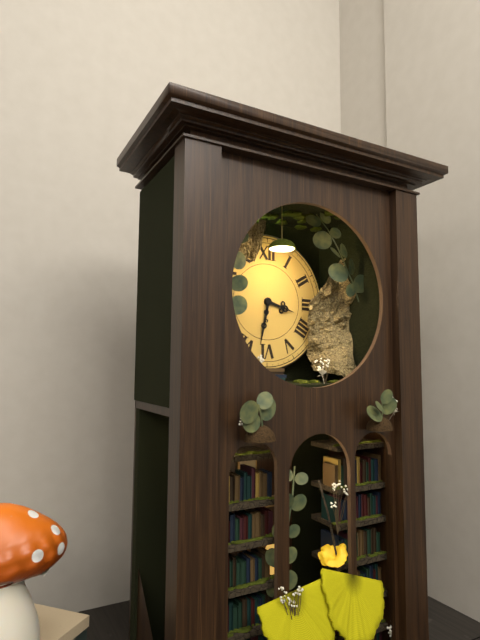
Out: 3h32
